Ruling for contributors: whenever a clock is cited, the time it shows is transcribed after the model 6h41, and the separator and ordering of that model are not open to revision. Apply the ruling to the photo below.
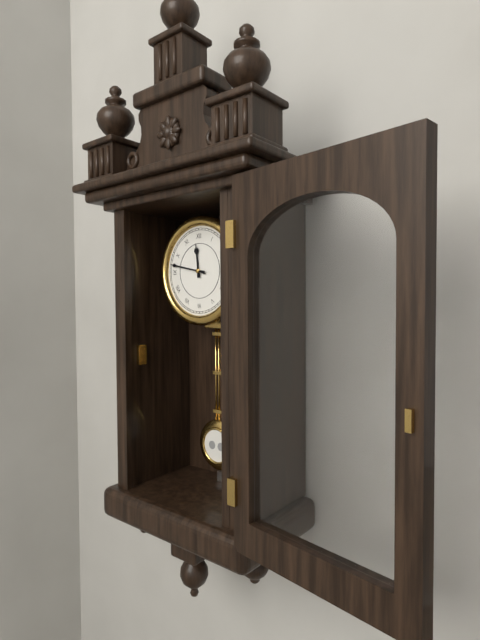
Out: 11h47
